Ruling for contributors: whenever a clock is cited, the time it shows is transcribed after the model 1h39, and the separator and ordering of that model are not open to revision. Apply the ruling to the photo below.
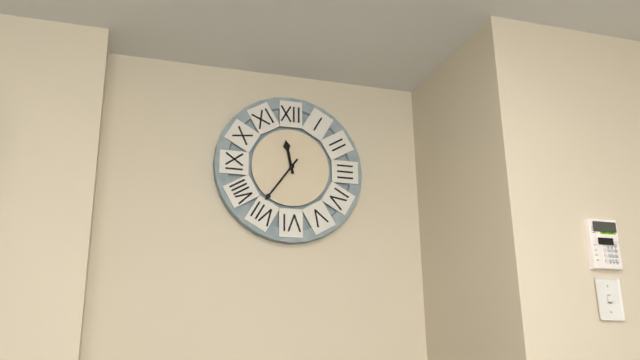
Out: 11h36
